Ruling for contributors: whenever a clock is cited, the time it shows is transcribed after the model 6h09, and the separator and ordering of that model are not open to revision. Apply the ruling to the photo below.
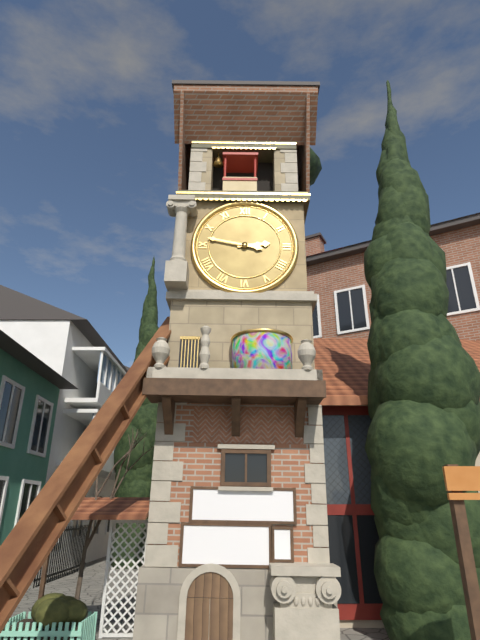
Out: 2h47
